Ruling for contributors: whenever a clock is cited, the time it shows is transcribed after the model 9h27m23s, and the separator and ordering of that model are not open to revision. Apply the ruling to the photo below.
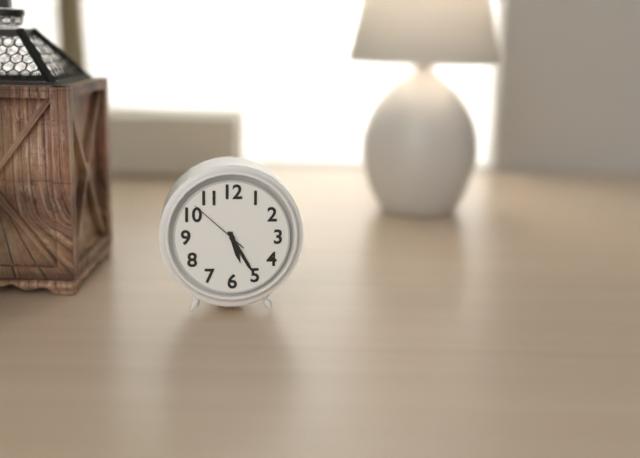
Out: 5h25m52s
